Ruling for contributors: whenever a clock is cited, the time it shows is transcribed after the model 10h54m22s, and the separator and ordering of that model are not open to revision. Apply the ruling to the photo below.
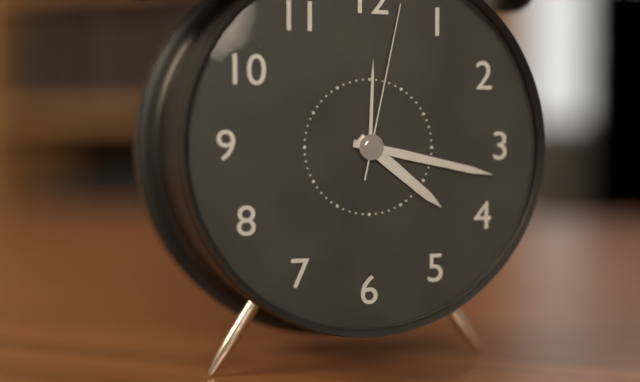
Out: 4h17m02s
